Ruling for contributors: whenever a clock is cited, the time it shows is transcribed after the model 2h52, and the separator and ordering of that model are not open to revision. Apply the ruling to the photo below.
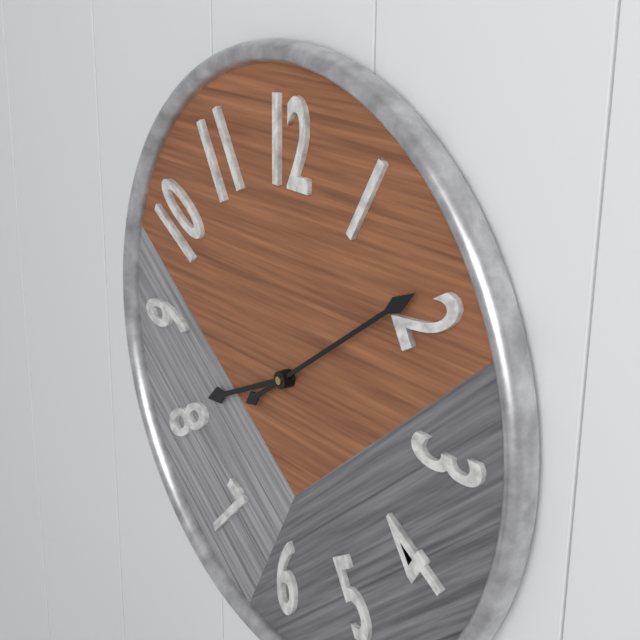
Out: 8h09
